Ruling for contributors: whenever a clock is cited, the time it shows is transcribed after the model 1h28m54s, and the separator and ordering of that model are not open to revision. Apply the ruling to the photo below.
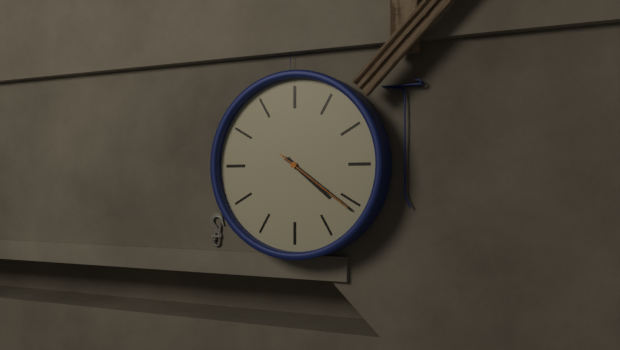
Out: 4h21m21s
